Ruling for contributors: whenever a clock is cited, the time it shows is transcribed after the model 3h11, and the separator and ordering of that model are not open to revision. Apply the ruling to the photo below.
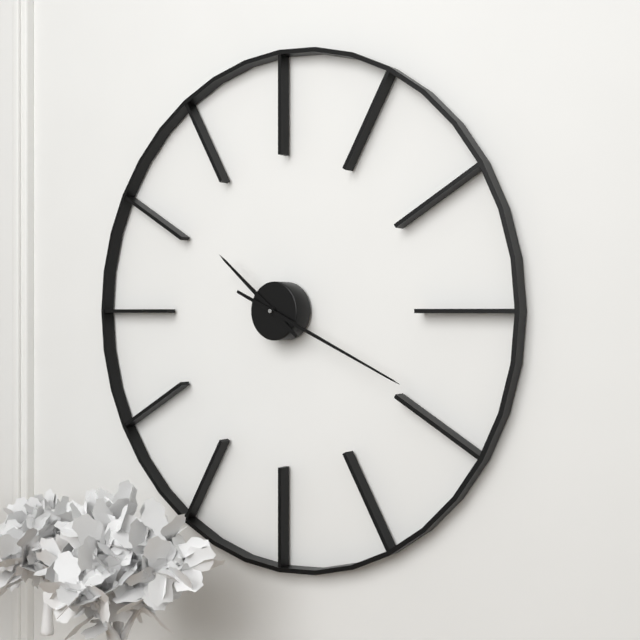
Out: 10h19
